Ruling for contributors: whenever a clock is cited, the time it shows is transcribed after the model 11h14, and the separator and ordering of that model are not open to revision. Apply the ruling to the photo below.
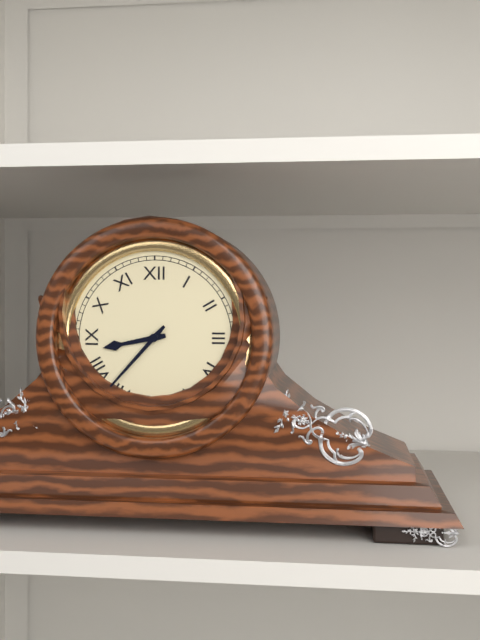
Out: 8h37
